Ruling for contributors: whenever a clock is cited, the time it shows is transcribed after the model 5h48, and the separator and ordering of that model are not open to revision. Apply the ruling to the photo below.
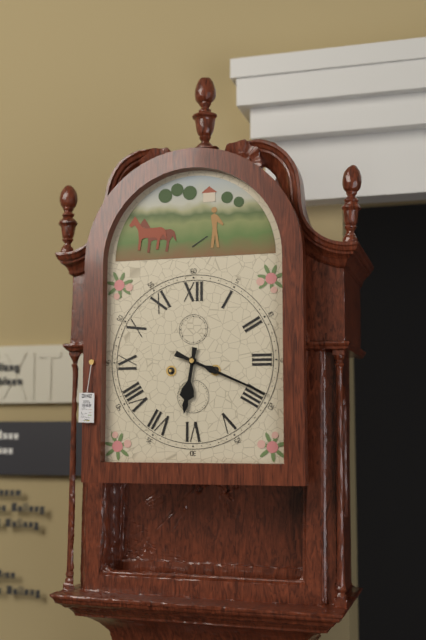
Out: 6h19
